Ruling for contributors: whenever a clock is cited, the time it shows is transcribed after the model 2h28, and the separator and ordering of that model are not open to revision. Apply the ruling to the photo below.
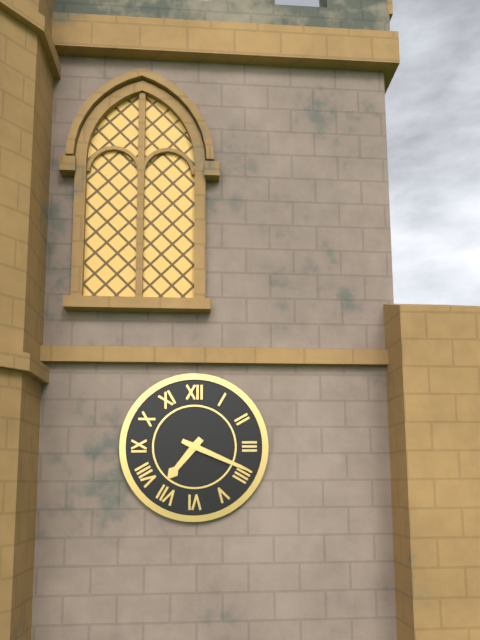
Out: 7h19
